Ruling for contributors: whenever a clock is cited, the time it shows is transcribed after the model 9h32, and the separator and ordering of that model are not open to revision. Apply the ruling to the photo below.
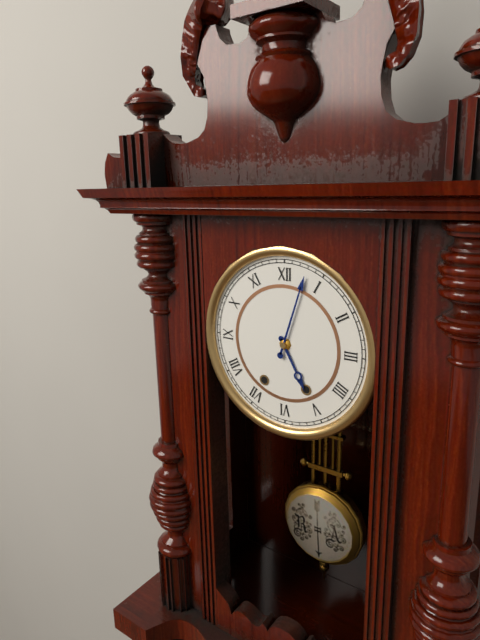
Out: 5h03
